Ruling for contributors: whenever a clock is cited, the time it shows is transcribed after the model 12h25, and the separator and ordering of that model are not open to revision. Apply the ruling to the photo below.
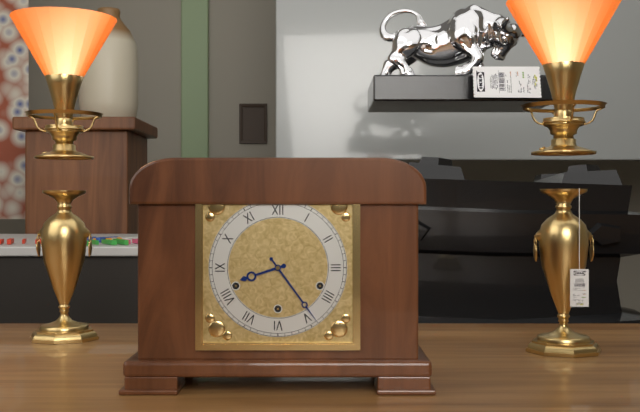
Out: 8h24
